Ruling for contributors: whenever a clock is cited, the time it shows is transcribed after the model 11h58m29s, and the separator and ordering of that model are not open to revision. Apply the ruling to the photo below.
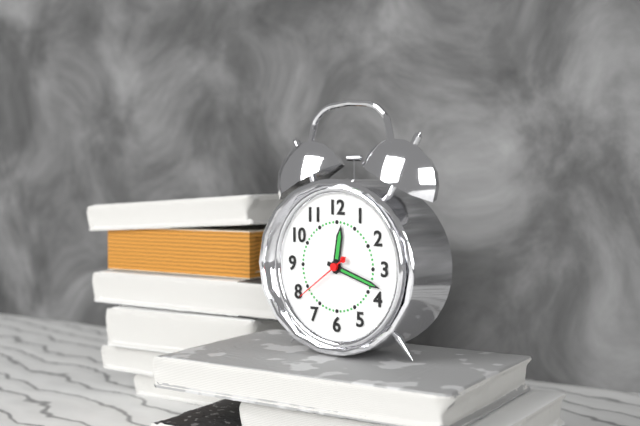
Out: 12h18m39s
